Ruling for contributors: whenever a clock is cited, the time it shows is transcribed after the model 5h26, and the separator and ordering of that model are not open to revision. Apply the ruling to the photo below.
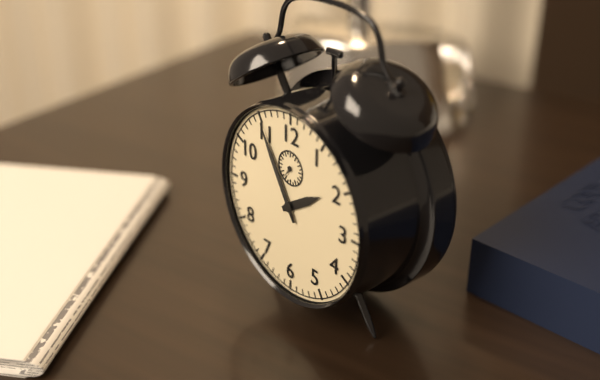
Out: 1h55
